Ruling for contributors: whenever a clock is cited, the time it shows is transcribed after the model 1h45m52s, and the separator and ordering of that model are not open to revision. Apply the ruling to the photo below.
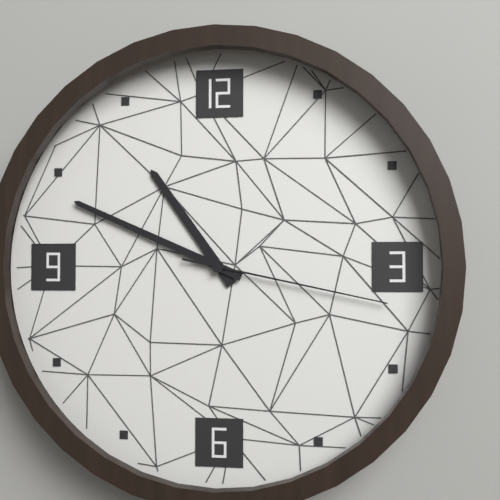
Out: 10h49m17s
